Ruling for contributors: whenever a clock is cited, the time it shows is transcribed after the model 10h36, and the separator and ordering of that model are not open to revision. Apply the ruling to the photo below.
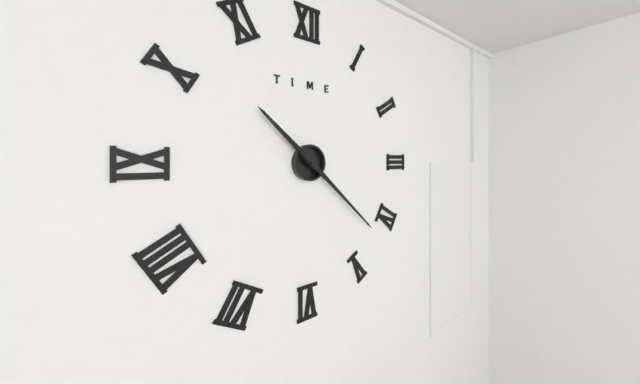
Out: 10h22
